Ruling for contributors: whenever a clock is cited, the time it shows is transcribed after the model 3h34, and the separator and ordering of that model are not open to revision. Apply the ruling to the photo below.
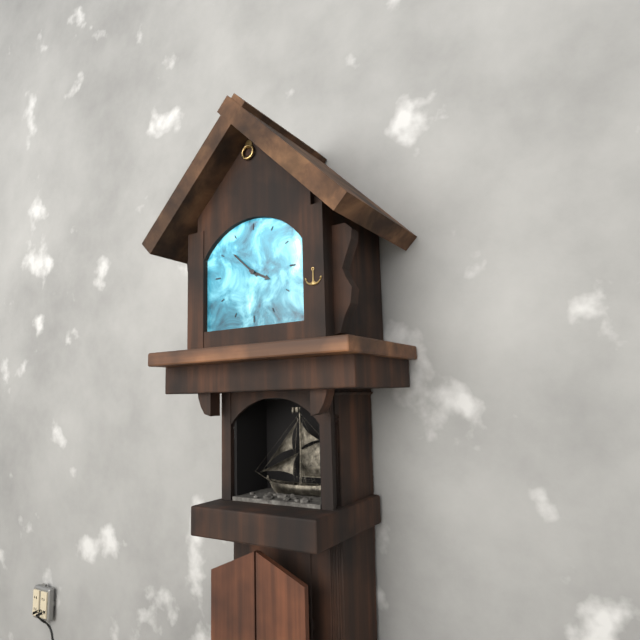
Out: 3h52
